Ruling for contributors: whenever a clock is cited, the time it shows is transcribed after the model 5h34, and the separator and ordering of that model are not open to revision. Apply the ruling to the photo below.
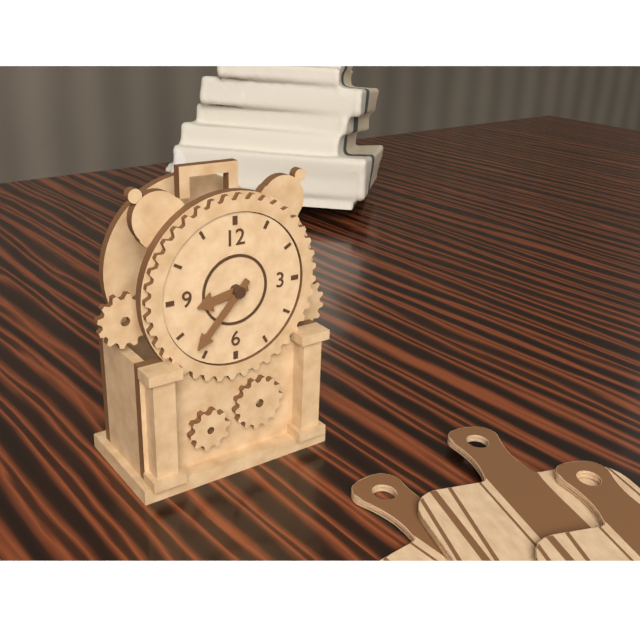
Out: 8h37
